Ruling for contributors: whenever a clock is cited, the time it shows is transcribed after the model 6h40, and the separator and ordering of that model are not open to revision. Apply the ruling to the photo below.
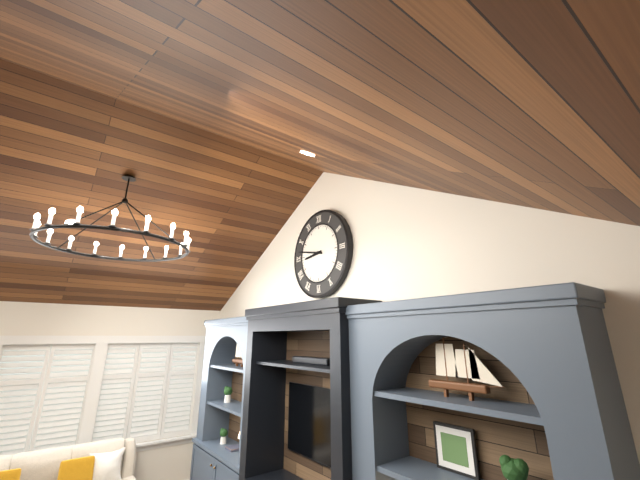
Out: 8h47
